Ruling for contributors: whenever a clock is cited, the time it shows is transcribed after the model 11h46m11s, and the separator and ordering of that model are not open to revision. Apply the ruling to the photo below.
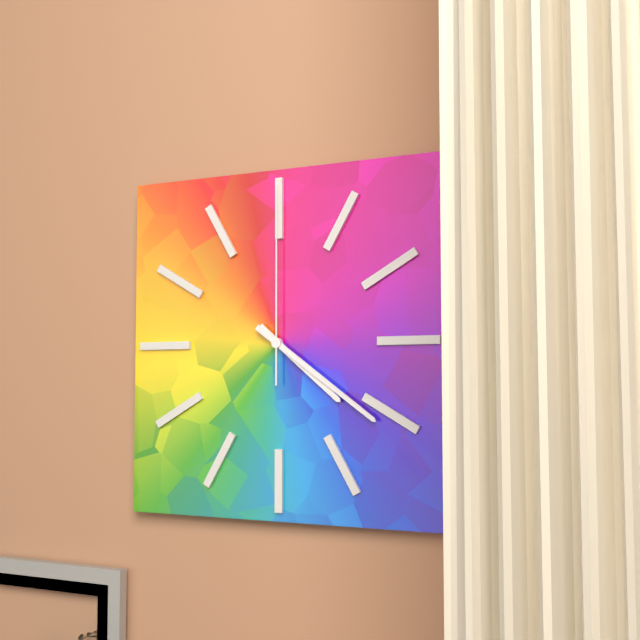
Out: 4h21m00s
